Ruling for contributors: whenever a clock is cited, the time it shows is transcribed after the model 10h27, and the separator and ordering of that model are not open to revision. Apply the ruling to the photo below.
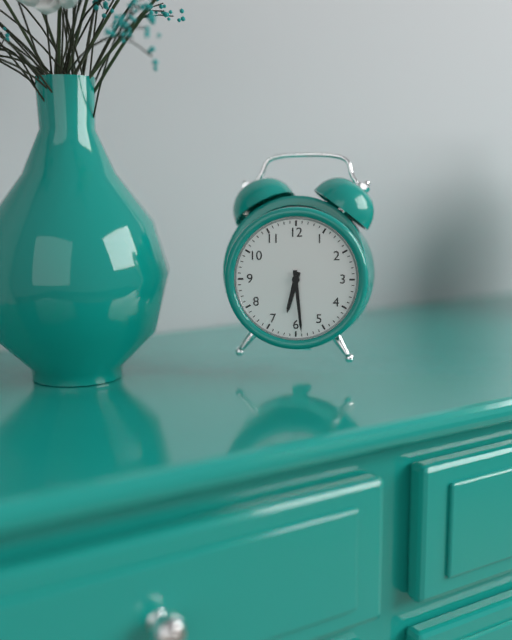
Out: 6h29
